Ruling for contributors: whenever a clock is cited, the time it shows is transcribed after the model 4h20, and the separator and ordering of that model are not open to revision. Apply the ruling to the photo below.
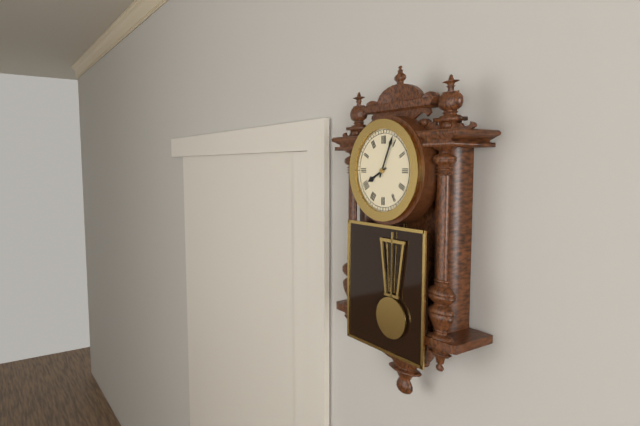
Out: 8h04
